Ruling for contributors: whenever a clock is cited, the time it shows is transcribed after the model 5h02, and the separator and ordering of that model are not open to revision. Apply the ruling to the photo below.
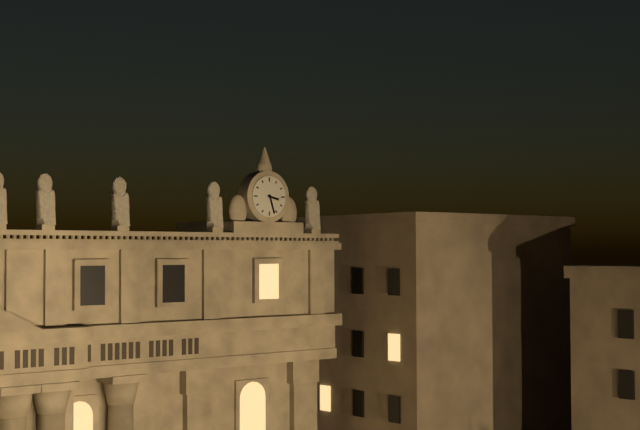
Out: 3h27
